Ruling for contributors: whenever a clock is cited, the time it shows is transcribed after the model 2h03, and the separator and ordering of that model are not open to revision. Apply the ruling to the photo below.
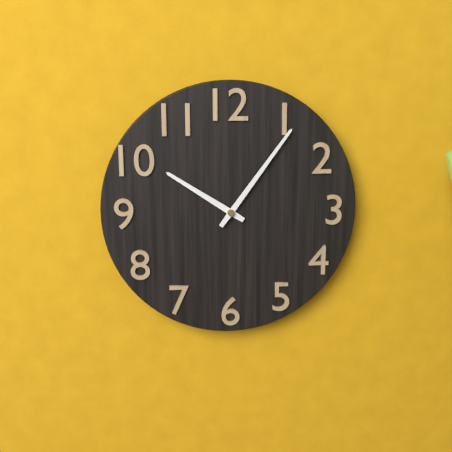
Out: 10h06
